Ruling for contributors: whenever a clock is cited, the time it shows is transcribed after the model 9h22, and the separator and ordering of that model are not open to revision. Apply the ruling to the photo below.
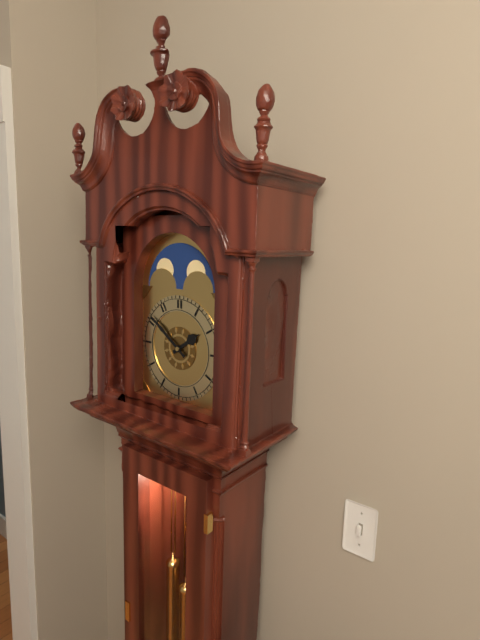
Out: 1h51
